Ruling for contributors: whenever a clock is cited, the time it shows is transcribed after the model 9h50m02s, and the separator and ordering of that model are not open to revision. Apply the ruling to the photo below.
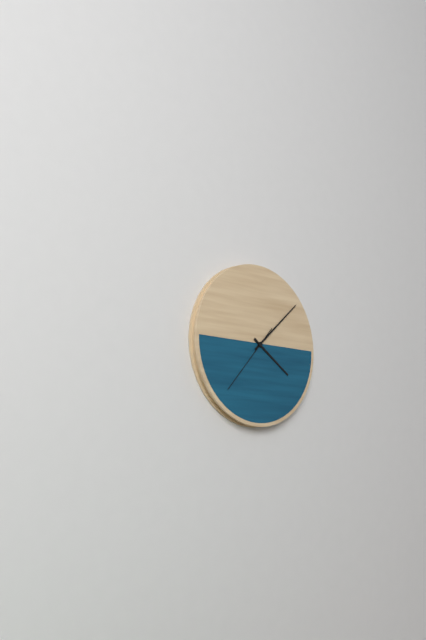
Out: 4h08m37s
